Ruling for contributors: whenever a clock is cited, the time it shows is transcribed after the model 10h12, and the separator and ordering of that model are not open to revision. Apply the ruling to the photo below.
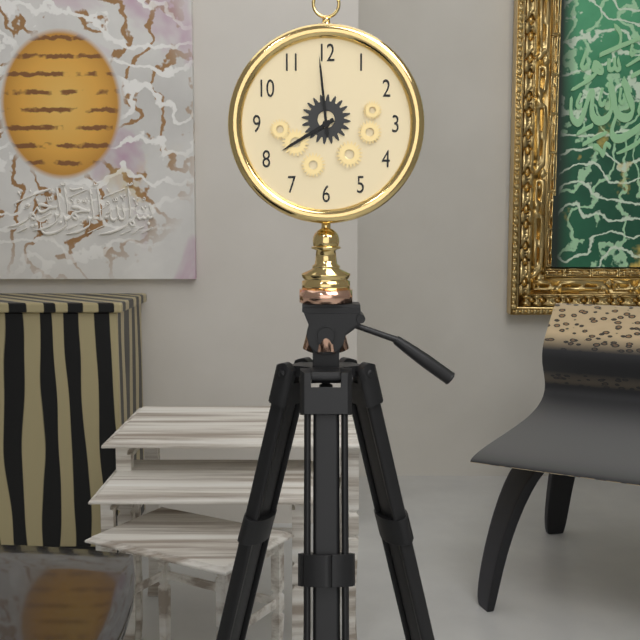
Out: 7h59
